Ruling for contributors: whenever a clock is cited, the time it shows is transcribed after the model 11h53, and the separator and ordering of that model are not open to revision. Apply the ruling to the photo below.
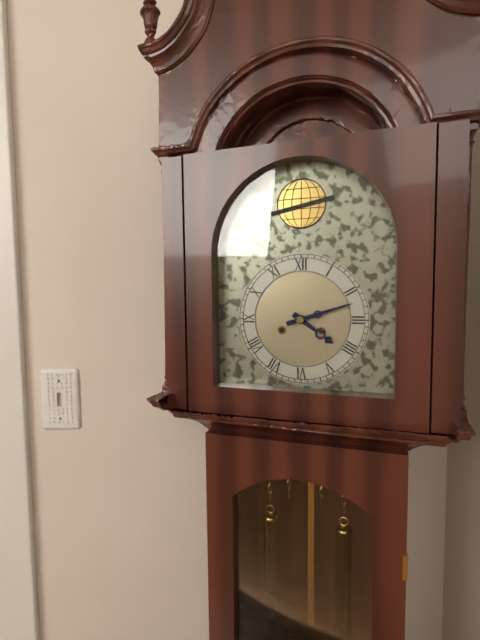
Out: 4h12
